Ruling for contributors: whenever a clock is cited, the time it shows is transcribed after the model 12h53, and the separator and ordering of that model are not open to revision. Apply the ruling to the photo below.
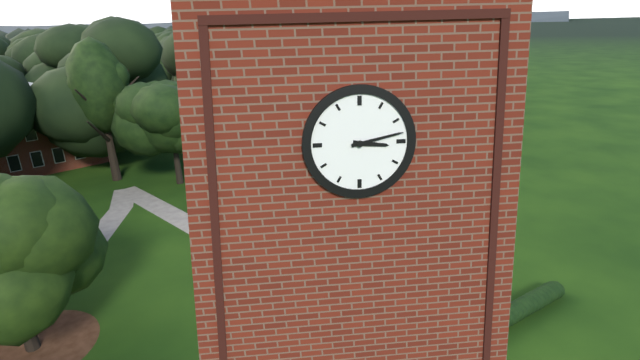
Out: 3h13
